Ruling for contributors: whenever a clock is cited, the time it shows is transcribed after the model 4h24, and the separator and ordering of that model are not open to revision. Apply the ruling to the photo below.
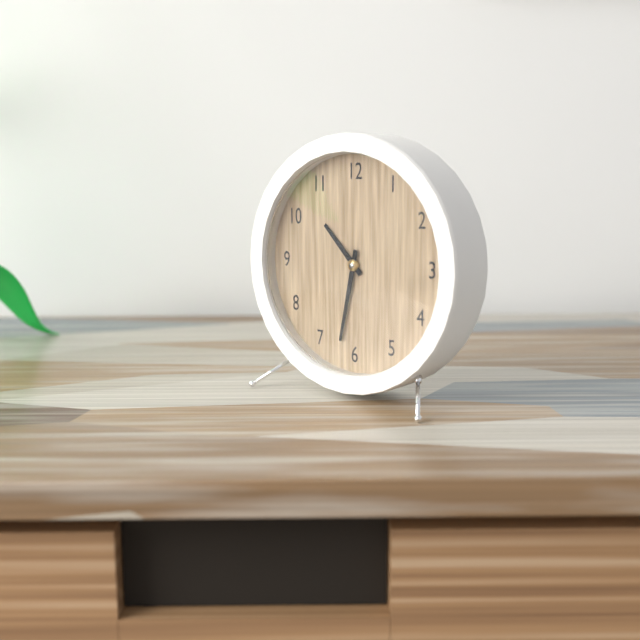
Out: 10h32
